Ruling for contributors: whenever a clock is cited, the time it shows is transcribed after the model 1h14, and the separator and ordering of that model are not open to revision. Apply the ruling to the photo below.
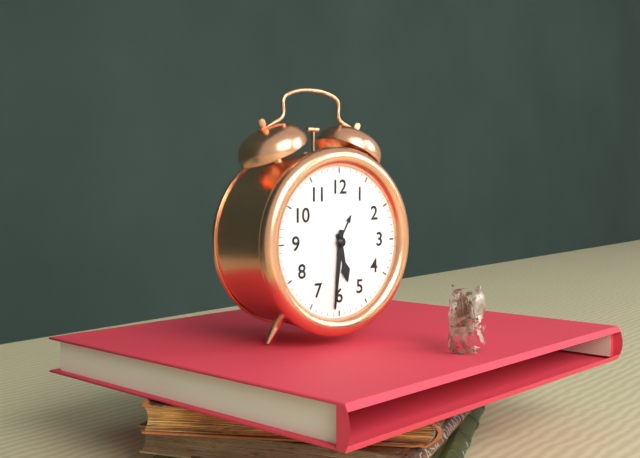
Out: 5h31
